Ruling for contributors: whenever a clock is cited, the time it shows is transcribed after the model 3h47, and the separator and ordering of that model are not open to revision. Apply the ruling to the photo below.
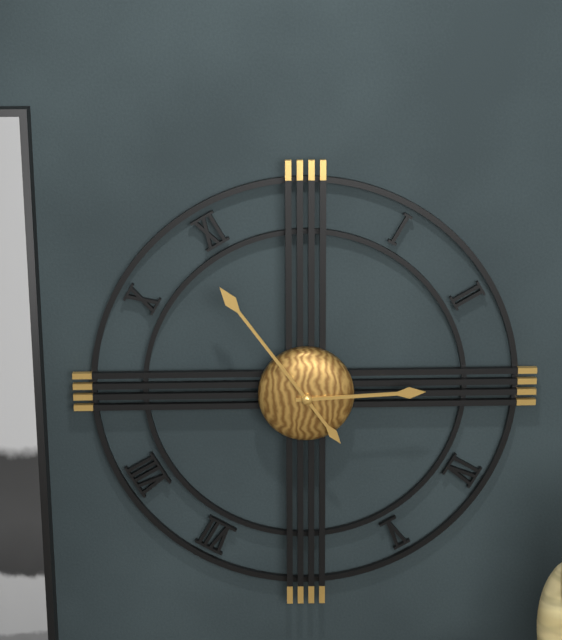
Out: 2h54
